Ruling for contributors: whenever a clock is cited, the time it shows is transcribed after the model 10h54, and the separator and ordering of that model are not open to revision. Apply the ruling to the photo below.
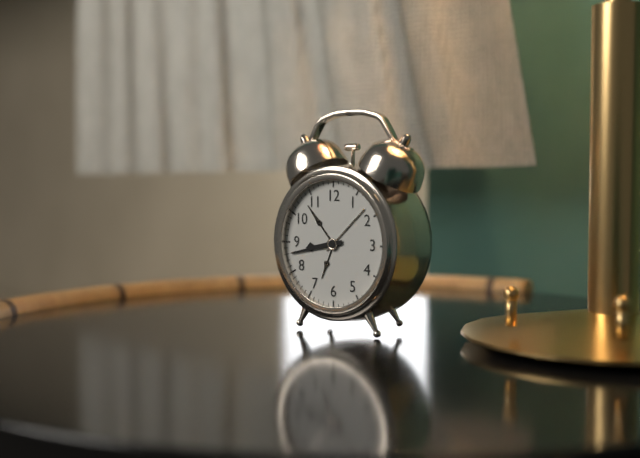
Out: 8h43
